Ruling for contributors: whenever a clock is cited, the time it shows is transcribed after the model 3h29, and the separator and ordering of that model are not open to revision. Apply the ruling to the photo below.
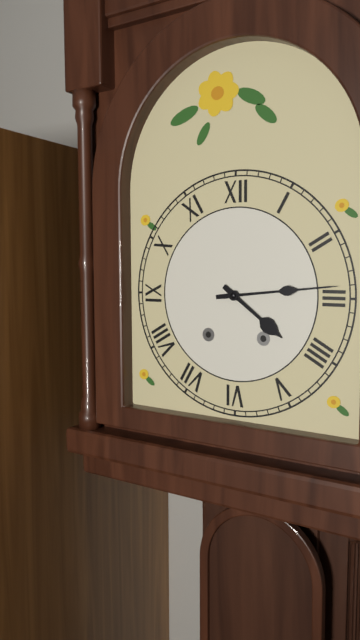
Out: 4h14
